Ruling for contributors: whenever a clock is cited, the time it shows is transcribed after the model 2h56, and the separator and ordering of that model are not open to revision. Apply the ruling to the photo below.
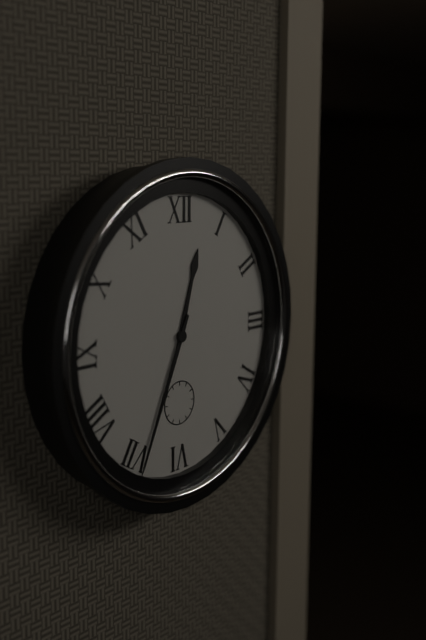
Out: 12h34
